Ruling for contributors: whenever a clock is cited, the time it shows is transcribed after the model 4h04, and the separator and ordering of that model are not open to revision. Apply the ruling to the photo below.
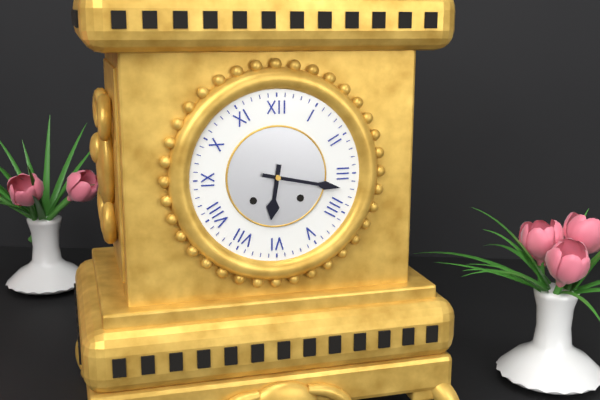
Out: 6h17
